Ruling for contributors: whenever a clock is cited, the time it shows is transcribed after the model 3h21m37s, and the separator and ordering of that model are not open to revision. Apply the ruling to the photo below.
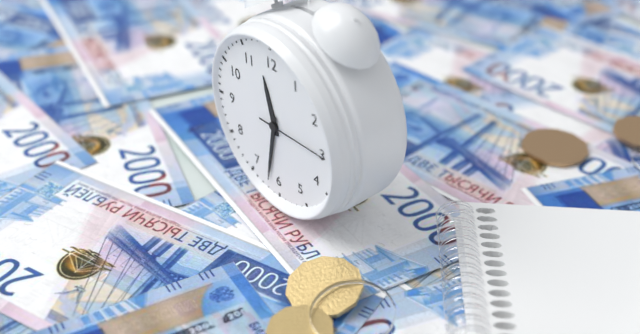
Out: 11h32m15s
